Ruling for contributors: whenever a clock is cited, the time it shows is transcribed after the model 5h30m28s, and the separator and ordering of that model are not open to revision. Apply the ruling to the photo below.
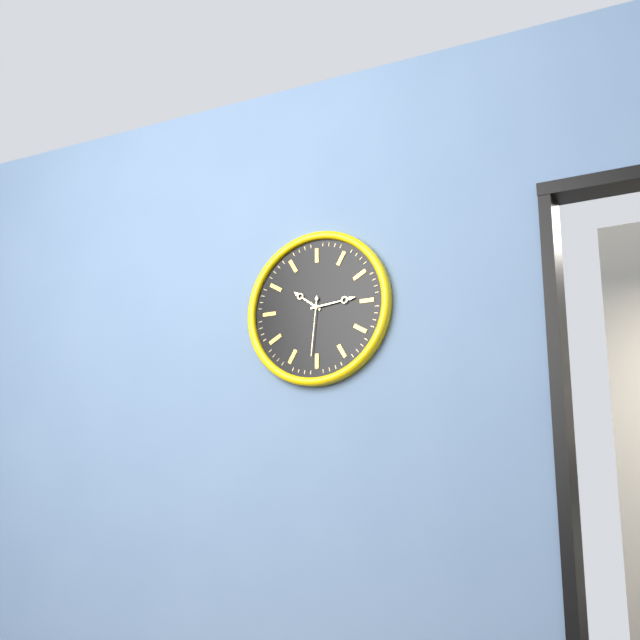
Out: 10h14m31s
